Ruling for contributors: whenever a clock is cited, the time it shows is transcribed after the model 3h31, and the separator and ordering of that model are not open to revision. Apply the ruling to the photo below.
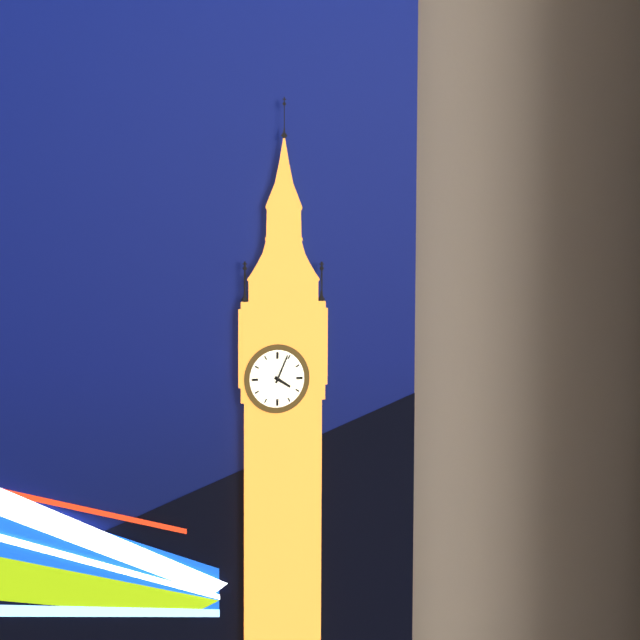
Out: 4h04
